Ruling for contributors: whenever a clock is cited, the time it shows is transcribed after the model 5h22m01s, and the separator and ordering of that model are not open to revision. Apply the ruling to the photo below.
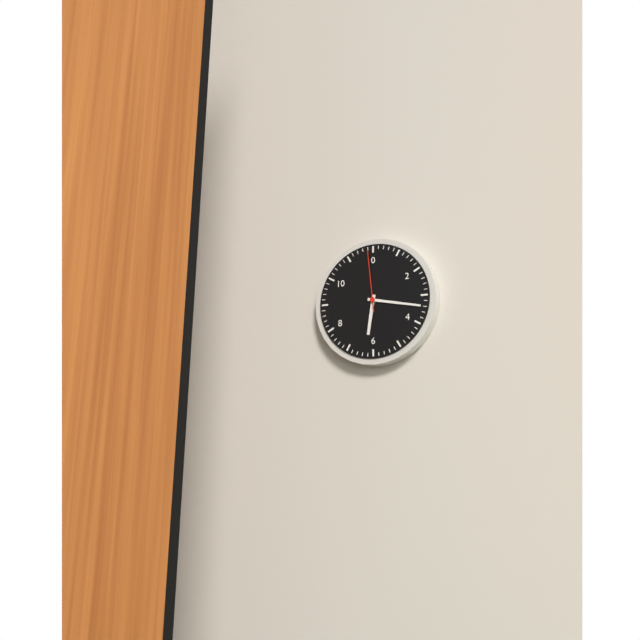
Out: 6h17m59s
